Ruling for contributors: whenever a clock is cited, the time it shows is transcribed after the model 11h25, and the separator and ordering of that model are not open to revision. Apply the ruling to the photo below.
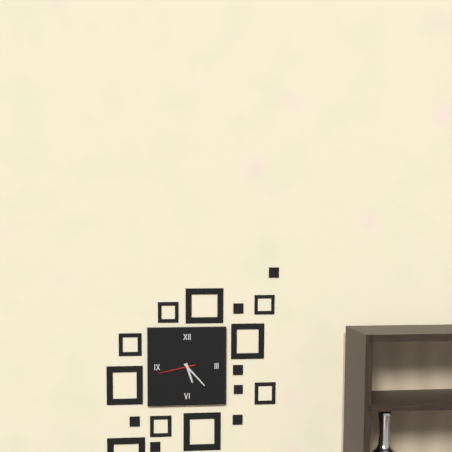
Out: 5h23
